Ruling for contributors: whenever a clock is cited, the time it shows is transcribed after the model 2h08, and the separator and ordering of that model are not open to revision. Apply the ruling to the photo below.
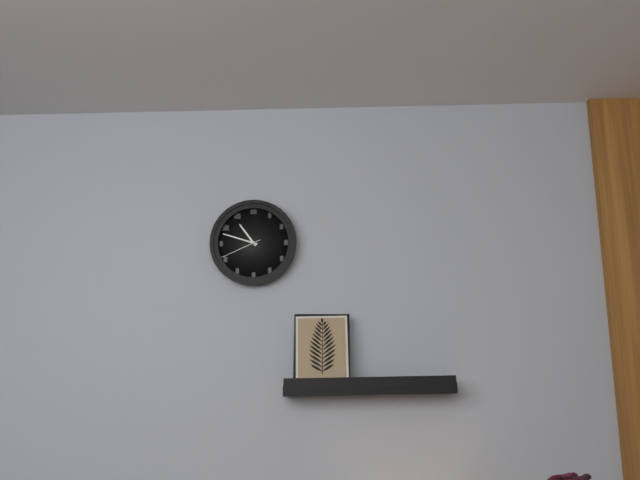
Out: 10h48
